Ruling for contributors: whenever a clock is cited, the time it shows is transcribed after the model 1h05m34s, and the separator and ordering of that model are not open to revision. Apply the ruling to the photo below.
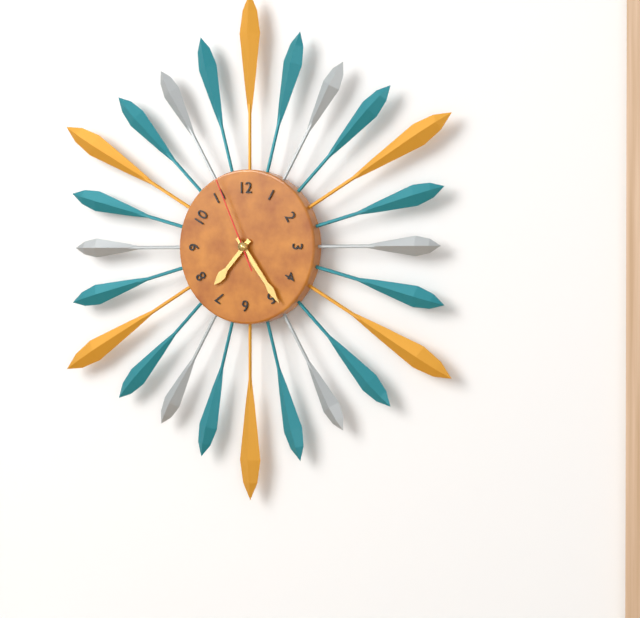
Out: 7h24m56s
